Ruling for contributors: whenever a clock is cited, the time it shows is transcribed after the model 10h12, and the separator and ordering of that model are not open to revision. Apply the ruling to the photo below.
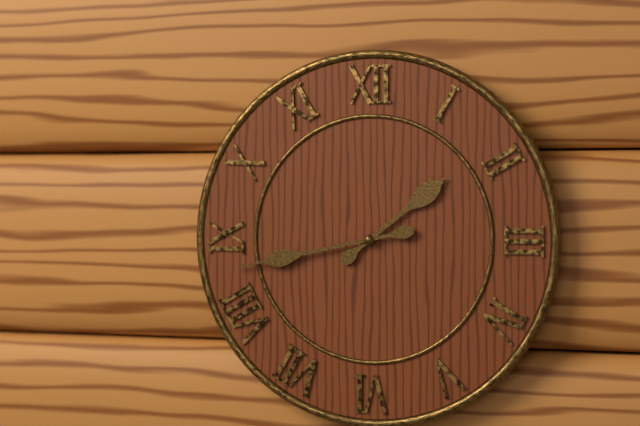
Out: 1h43
